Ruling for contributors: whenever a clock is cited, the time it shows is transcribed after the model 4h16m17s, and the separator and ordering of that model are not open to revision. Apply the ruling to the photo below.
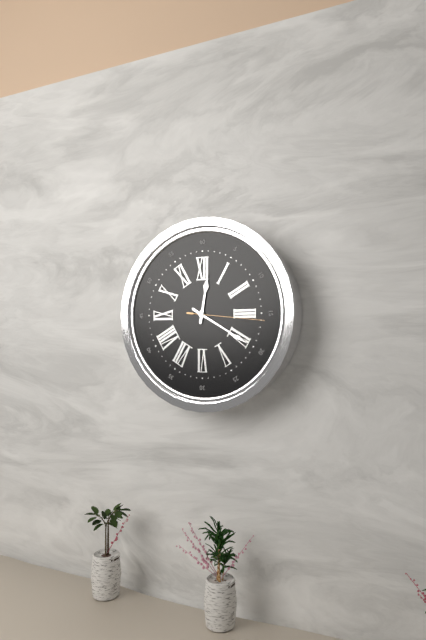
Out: 12h20m16s
